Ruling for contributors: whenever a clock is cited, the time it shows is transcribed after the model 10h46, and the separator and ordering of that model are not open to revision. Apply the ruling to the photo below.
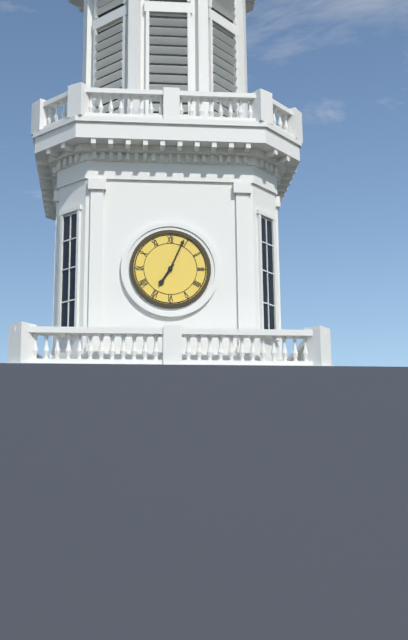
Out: 7h04
